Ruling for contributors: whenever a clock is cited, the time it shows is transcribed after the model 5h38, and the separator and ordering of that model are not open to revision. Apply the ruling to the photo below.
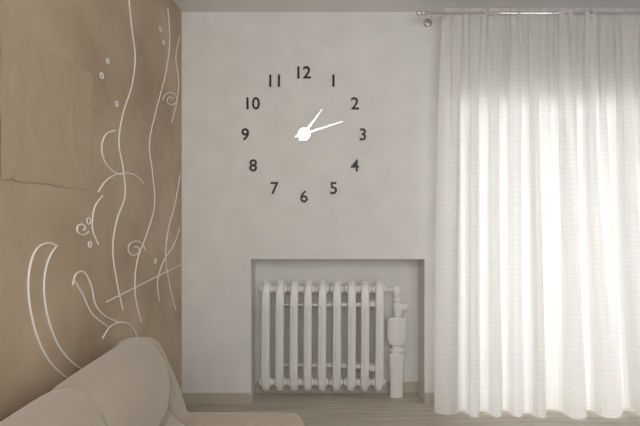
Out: 1h12
